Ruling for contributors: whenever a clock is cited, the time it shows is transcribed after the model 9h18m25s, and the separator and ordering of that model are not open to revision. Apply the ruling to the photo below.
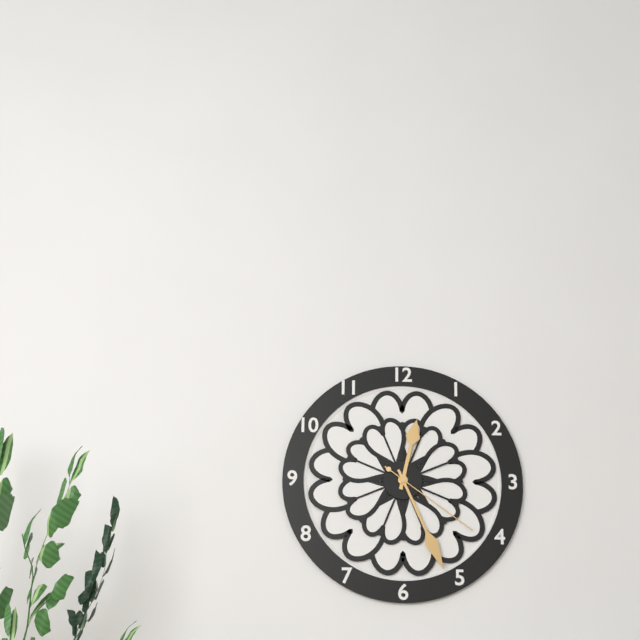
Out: 12h26m21s
